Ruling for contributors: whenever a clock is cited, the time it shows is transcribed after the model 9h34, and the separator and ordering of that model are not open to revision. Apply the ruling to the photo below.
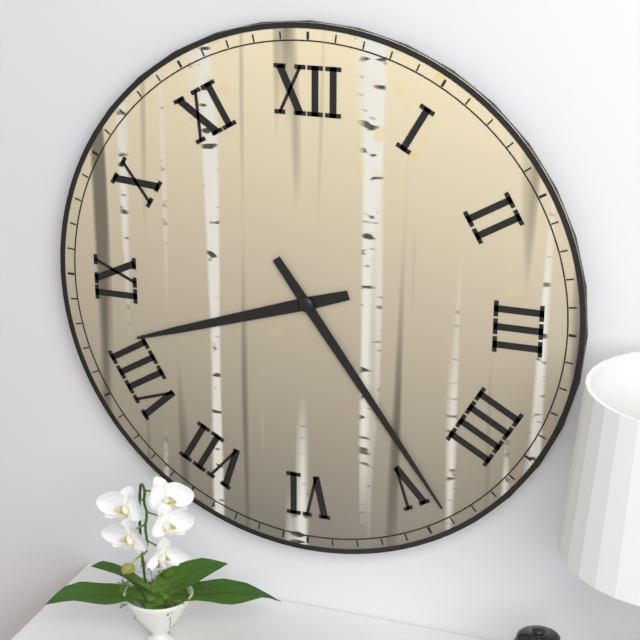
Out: 8h24
